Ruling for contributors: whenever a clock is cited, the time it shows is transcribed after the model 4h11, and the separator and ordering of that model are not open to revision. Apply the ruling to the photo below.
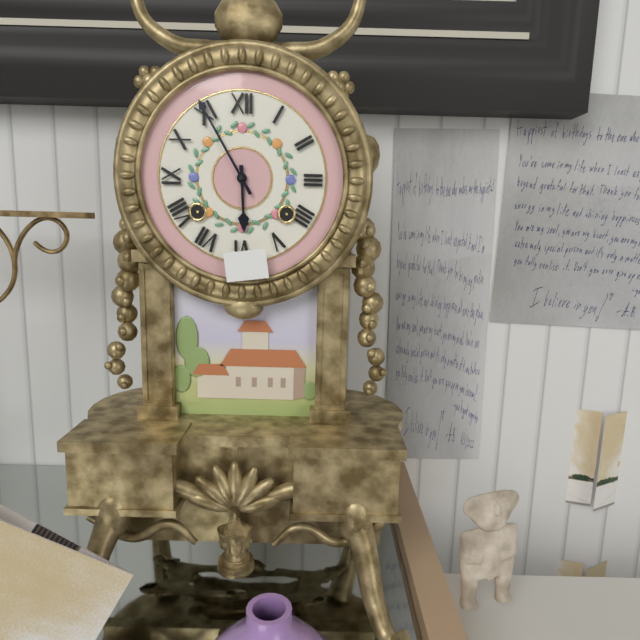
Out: 5h55
